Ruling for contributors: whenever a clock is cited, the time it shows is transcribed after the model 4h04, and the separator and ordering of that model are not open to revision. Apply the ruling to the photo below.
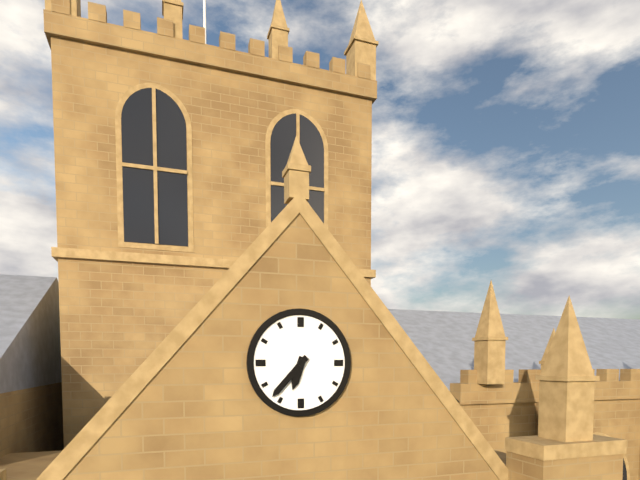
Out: 6h37
